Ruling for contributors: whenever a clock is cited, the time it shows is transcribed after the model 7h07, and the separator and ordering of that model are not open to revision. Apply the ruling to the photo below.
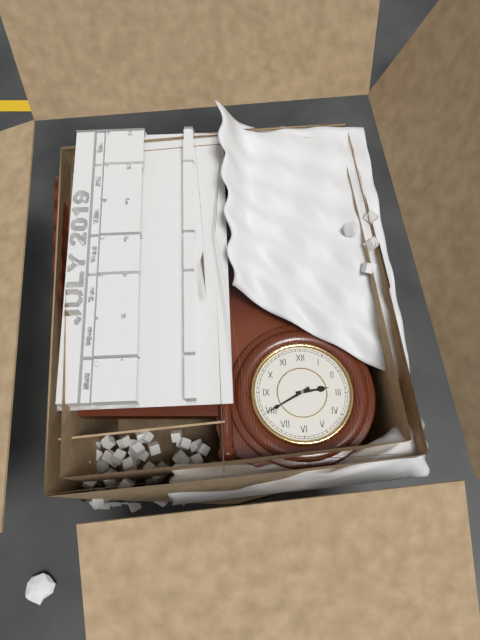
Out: 2h40
